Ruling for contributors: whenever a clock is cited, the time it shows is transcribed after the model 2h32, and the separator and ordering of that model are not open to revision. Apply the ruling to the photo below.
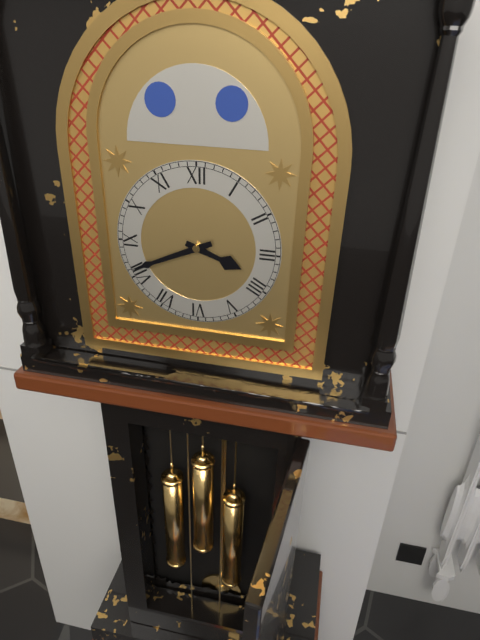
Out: 3h41
